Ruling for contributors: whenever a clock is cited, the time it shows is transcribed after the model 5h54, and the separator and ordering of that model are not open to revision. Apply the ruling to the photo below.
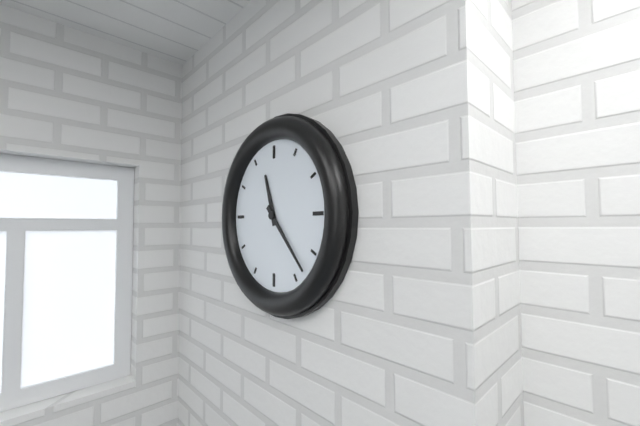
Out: 11h23
